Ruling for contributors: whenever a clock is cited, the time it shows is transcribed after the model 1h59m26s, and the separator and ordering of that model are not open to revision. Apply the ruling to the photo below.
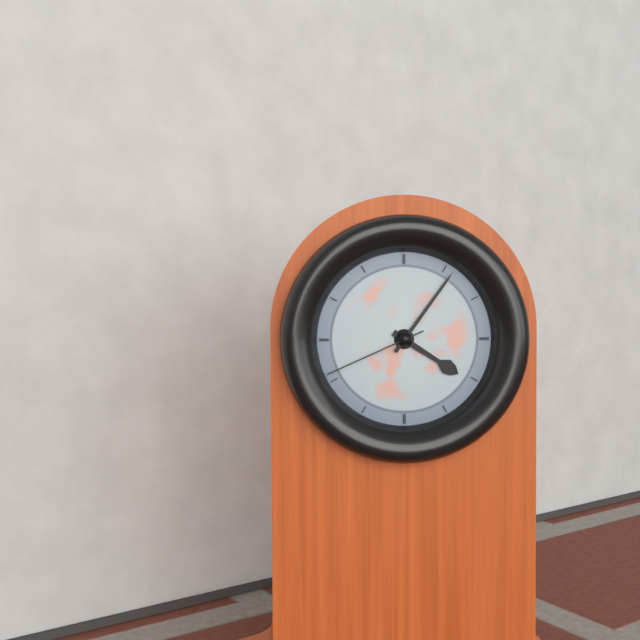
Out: 4h06m41s
